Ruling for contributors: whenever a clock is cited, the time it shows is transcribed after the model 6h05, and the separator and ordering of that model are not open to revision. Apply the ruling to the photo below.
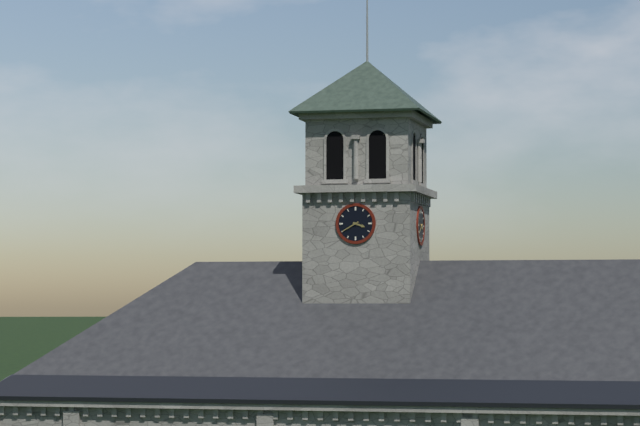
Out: 3h40
